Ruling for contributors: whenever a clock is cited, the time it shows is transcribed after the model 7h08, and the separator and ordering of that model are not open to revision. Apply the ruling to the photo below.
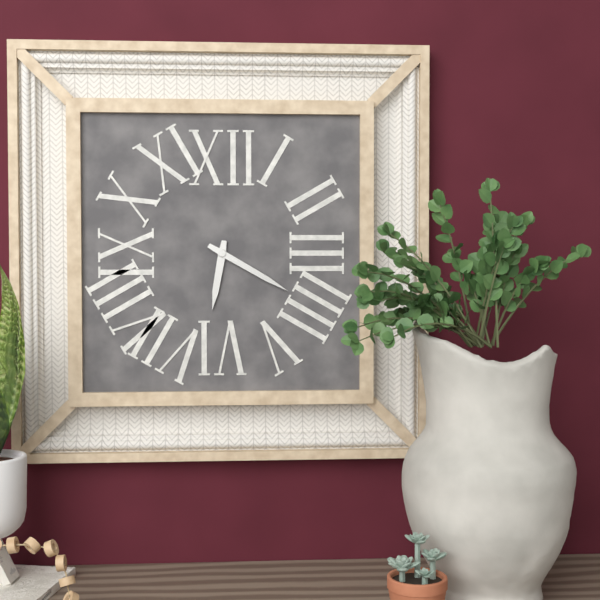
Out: 6h20
